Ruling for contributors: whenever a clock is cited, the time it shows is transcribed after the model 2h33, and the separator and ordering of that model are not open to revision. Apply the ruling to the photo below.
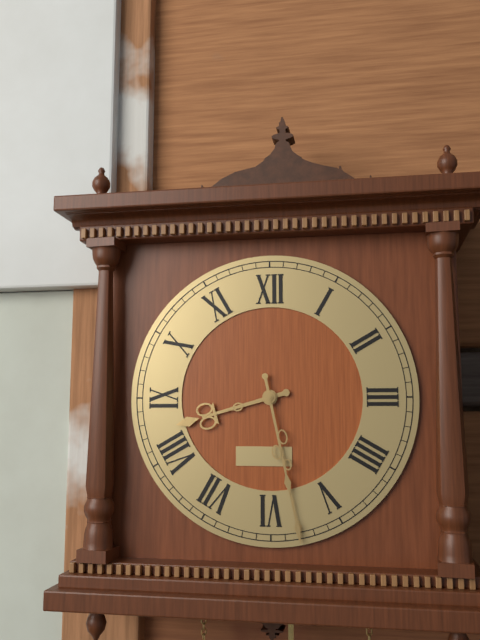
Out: 8h28
